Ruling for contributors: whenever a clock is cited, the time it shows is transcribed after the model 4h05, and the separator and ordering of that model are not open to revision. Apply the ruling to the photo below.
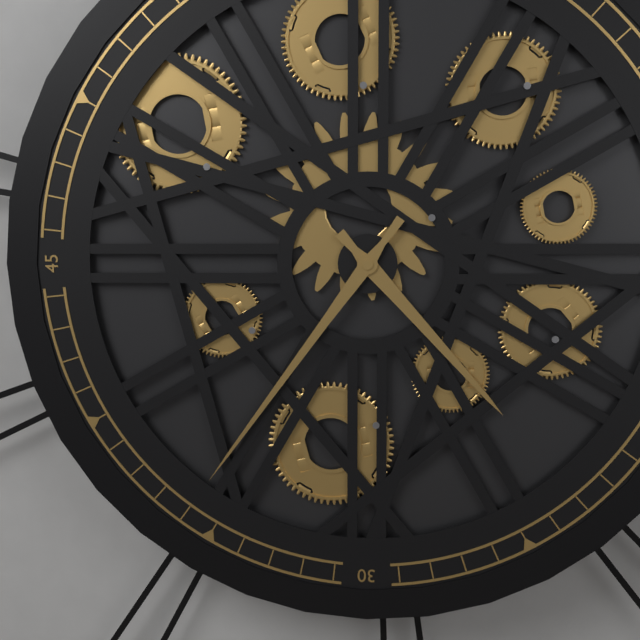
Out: 4h36
